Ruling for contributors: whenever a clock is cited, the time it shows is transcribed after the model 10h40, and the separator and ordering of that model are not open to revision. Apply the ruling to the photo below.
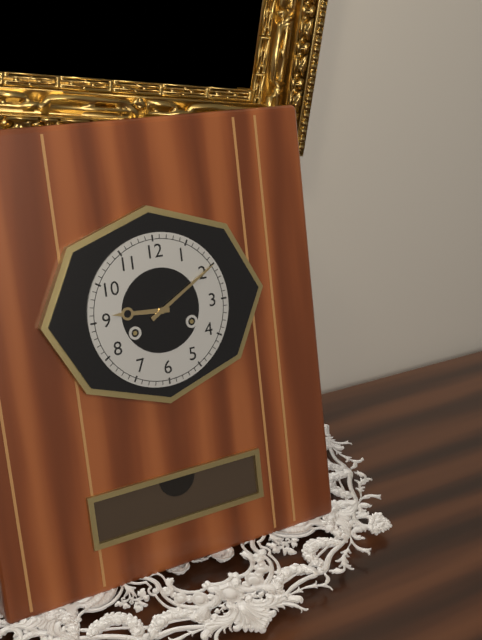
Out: 9h10
